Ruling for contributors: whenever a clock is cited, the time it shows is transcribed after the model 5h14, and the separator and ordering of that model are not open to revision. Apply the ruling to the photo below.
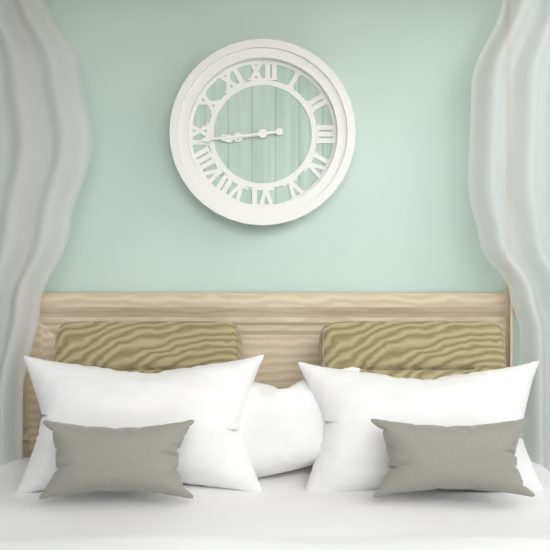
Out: 8h44
